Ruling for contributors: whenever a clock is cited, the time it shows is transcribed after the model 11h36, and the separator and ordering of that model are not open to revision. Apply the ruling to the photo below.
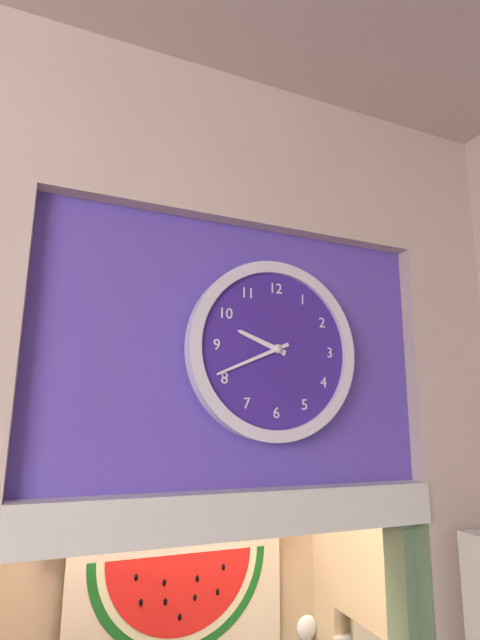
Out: 9h41
